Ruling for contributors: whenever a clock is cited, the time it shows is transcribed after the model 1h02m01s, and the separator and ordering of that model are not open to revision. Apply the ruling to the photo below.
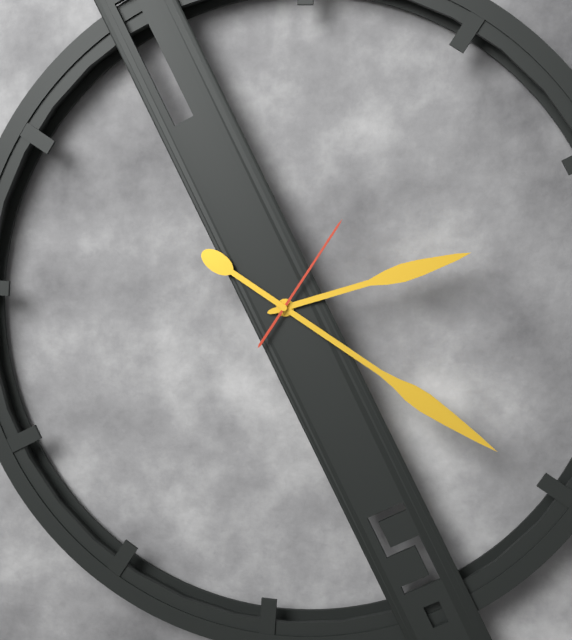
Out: 2h20m05s
